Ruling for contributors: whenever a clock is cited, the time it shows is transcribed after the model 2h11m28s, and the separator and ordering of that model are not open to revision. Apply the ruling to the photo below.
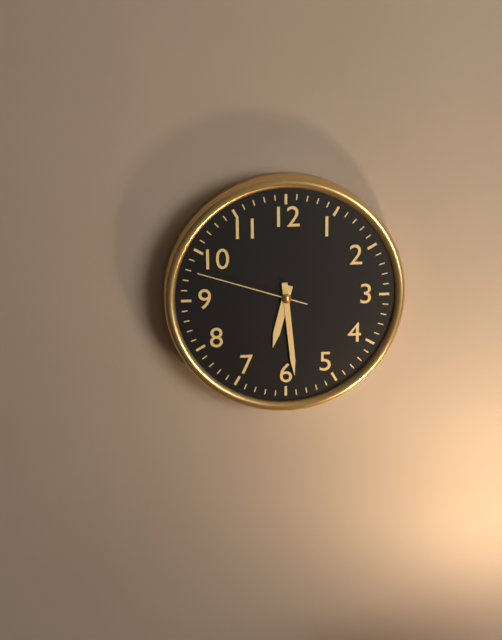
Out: 6h29m48s
